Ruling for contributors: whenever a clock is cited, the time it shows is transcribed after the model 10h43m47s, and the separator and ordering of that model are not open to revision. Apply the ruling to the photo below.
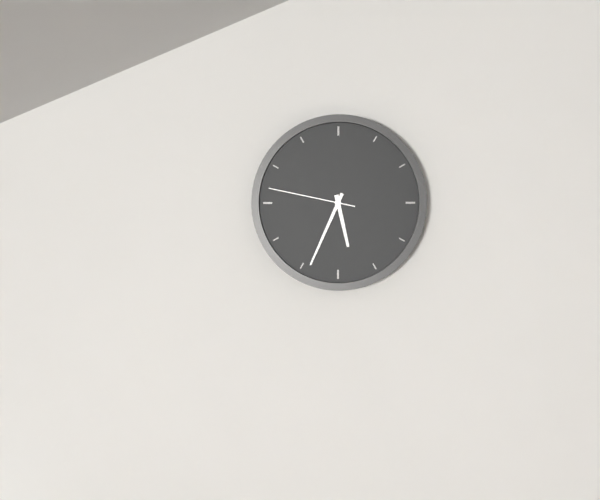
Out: 5h34m47s
